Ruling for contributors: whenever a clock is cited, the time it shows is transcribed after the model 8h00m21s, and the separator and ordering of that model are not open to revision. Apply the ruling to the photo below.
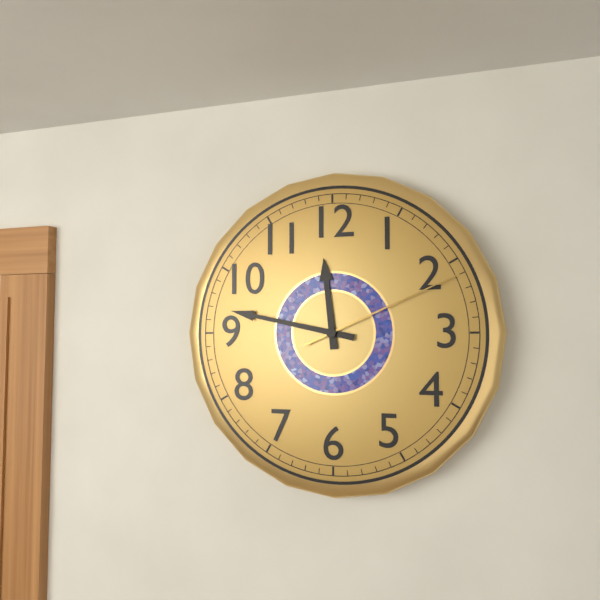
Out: 11h47m11s
